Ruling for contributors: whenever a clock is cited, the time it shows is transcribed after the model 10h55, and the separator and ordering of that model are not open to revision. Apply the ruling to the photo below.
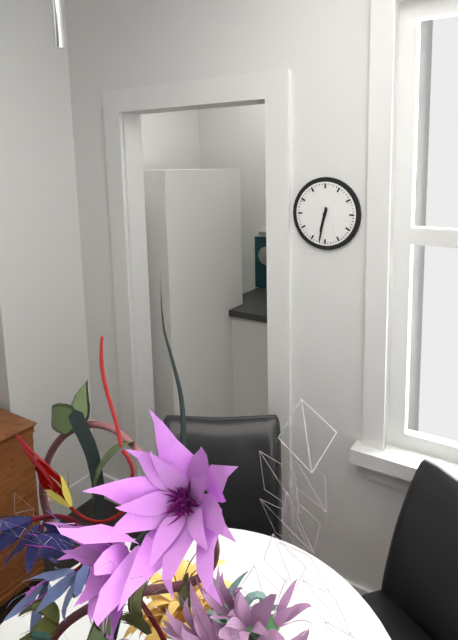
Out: 6h32
